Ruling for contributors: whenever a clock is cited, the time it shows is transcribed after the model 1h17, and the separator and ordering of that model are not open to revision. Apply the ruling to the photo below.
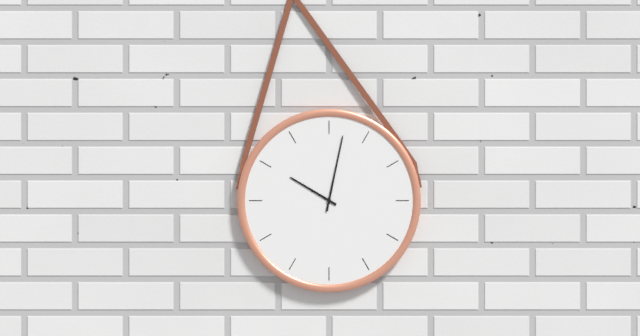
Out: 10h02
